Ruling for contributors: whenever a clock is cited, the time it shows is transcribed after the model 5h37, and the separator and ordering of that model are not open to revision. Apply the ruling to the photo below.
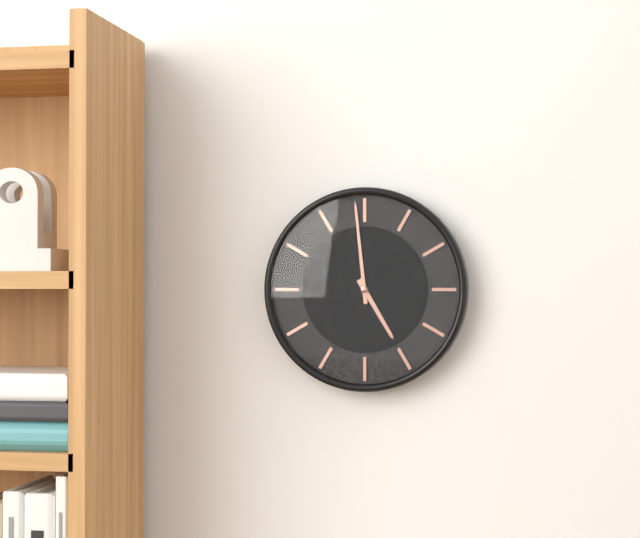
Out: 4h59
